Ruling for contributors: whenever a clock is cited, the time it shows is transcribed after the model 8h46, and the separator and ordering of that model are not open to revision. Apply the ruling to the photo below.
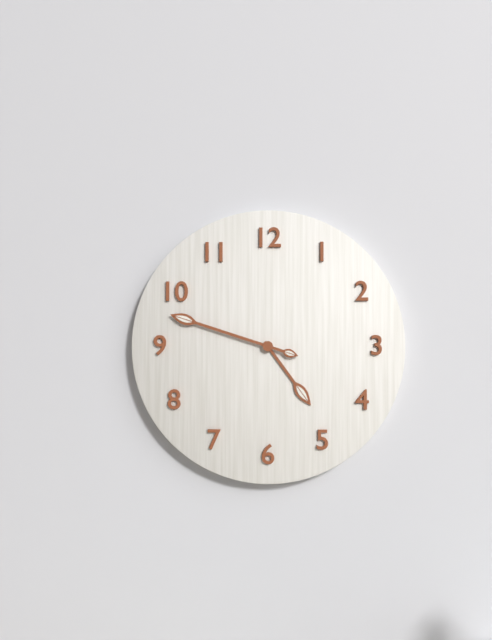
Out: 4h48
